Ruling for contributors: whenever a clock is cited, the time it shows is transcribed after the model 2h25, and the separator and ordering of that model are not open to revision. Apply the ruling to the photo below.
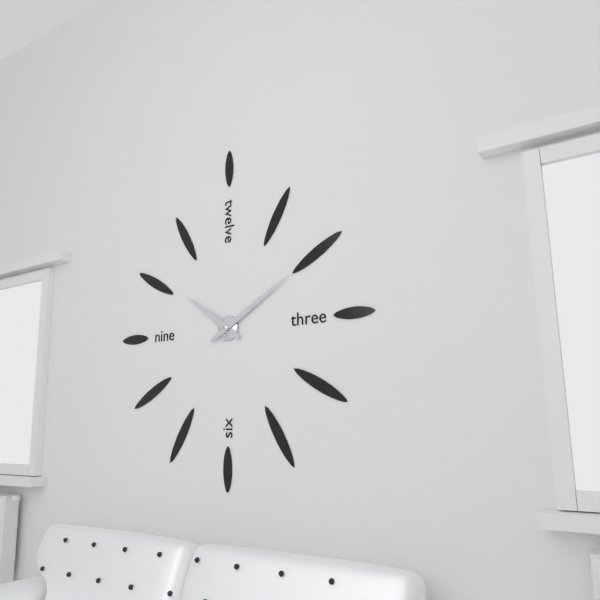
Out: 10h10
